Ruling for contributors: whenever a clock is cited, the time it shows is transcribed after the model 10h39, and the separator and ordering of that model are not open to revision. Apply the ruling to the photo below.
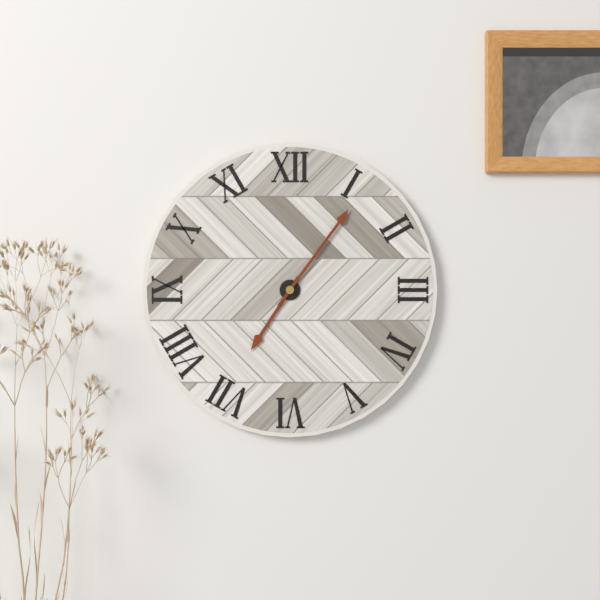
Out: 7h06
